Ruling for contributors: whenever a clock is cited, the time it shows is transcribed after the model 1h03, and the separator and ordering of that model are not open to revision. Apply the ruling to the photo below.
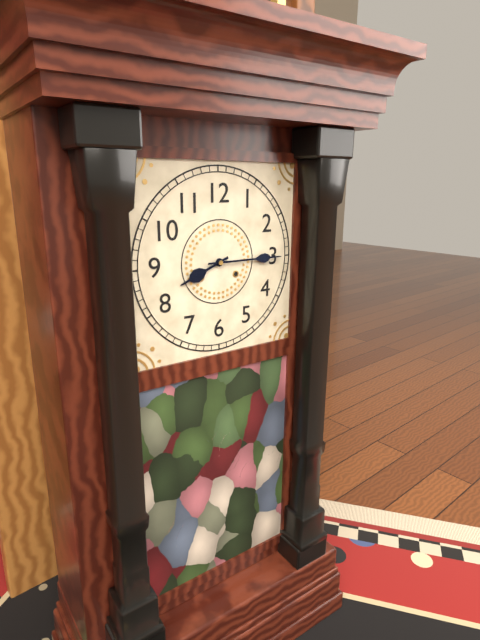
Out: 8h15
